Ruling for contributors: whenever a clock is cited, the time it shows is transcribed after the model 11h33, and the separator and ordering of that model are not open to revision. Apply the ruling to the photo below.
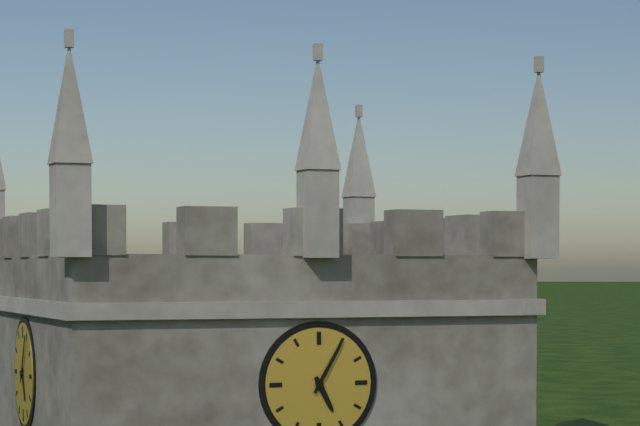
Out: 5h05
